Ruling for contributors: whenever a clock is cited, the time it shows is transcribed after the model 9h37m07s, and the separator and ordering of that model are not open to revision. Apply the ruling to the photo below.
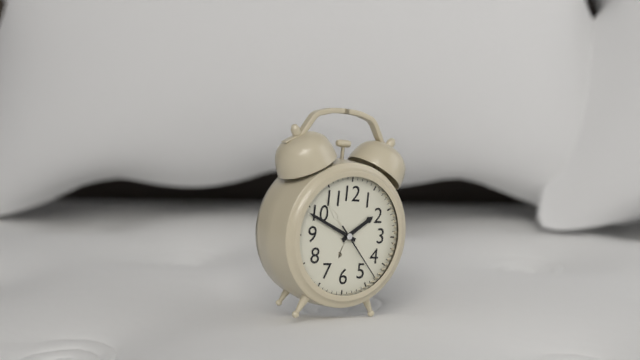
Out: 1h49m23s
